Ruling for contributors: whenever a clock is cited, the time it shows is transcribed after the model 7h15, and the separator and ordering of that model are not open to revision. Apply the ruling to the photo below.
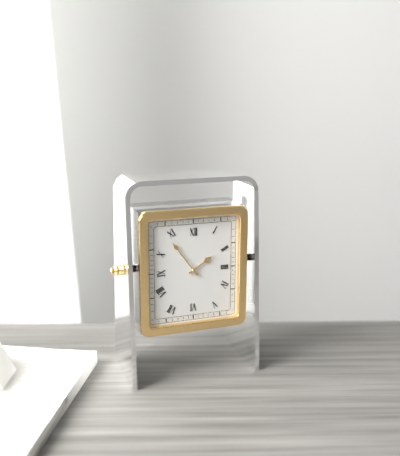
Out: 1h54
